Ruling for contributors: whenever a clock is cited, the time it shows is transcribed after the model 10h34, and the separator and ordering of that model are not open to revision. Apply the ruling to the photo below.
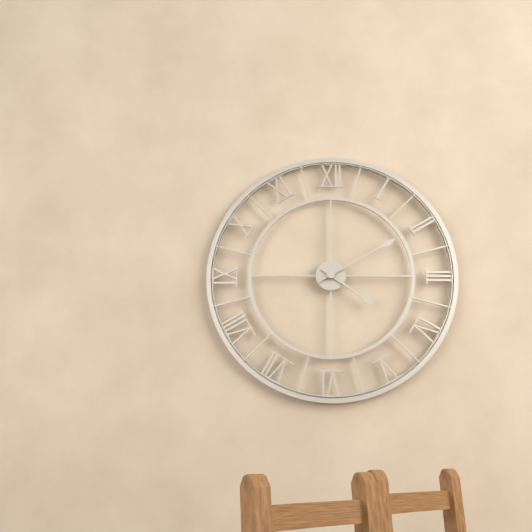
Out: 4h10
